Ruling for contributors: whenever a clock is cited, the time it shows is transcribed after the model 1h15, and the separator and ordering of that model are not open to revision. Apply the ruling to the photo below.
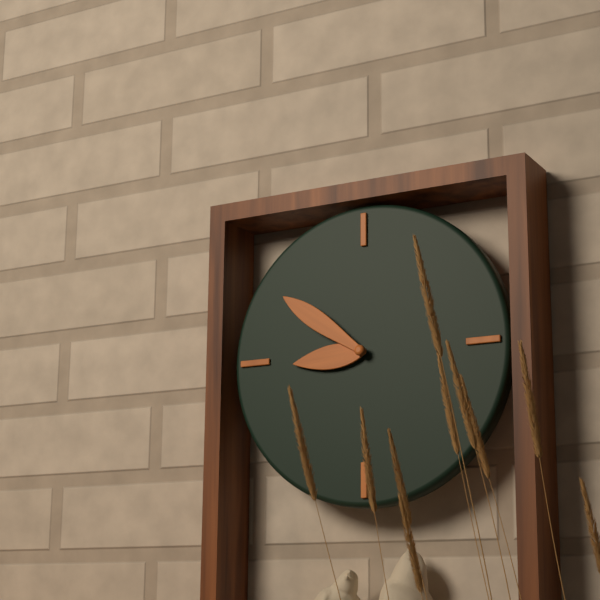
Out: 8h51
